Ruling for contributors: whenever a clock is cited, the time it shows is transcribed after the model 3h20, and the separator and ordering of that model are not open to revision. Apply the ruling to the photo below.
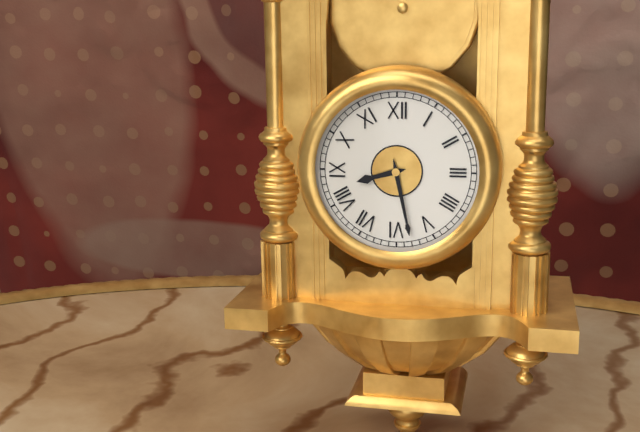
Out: 8h28
